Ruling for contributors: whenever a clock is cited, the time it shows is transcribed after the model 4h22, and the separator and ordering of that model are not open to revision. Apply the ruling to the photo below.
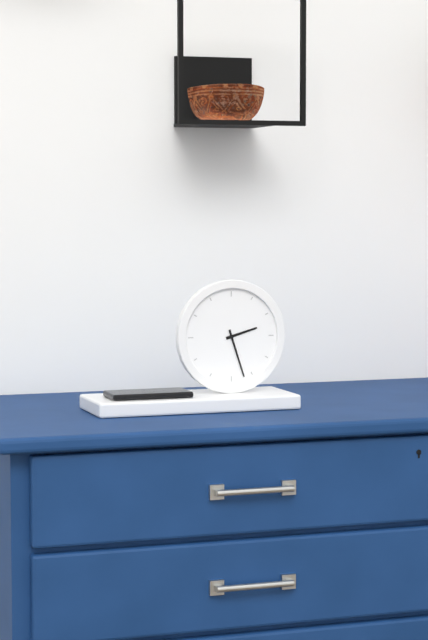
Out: 2h27
